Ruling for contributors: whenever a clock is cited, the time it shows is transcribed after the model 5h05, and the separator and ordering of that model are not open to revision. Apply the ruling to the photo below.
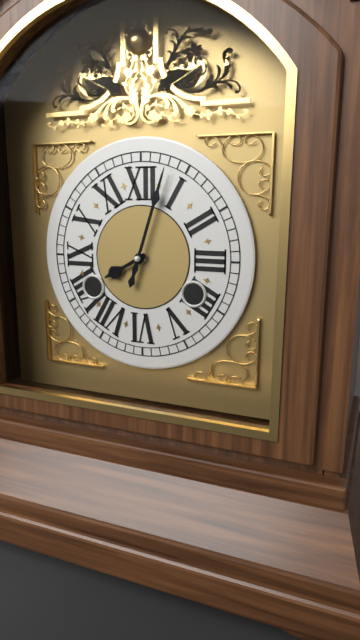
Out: 8h03
